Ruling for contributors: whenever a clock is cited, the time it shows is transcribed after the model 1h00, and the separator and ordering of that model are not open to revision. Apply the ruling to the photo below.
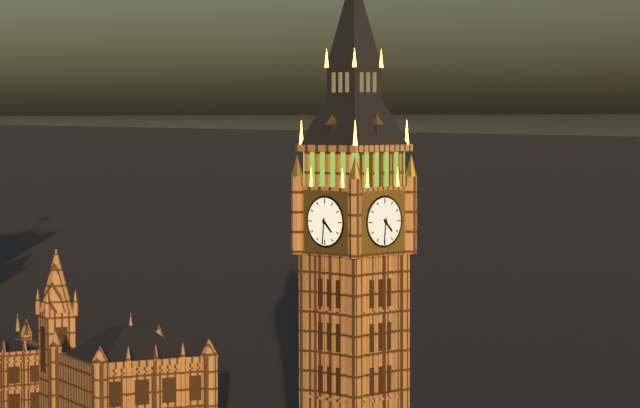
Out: 4h31
